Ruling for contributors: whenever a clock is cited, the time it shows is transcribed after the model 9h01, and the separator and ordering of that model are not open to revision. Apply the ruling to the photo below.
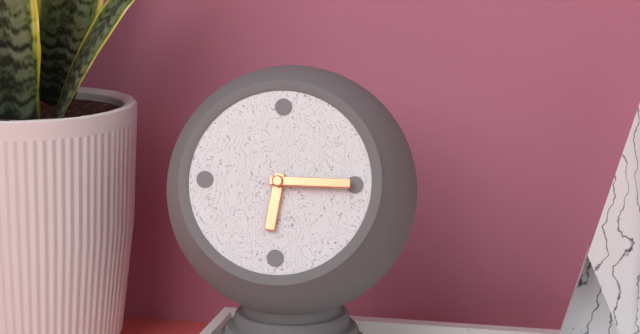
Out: 6h15
